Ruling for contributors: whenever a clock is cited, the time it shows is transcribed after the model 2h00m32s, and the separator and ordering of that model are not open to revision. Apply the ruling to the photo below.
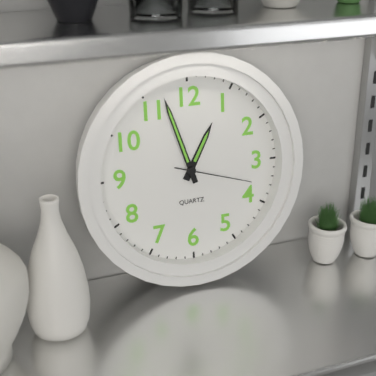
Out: 12h57m18s
